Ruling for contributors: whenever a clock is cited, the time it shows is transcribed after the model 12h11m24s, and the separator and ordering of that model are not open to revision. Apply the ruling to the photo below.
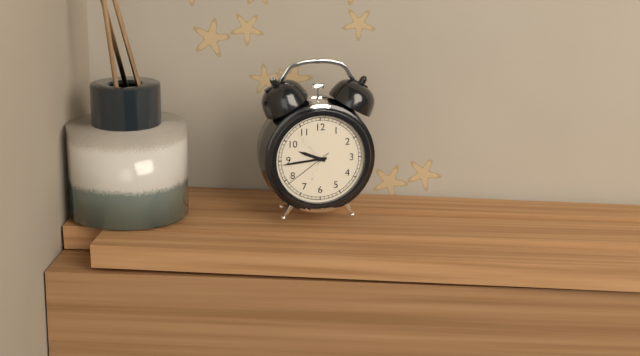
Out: 9h44m39s
